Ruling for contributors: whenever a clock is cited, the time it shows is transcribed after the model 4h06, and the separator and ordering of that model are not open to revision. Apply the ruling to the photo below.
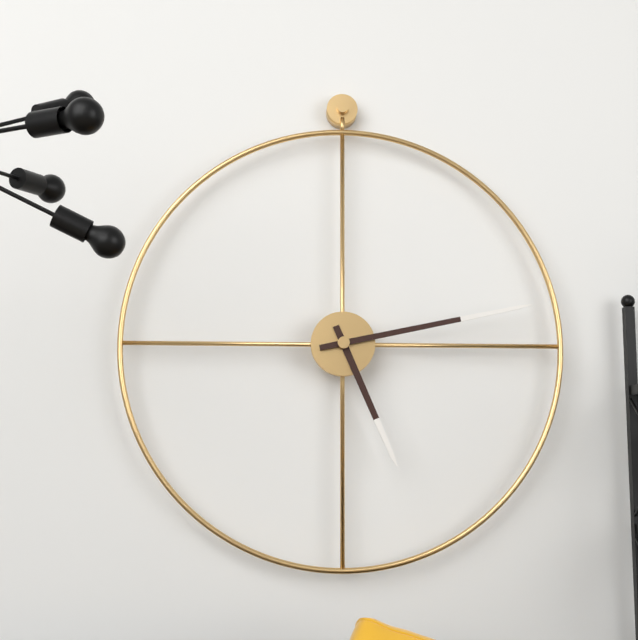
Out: 5h13
